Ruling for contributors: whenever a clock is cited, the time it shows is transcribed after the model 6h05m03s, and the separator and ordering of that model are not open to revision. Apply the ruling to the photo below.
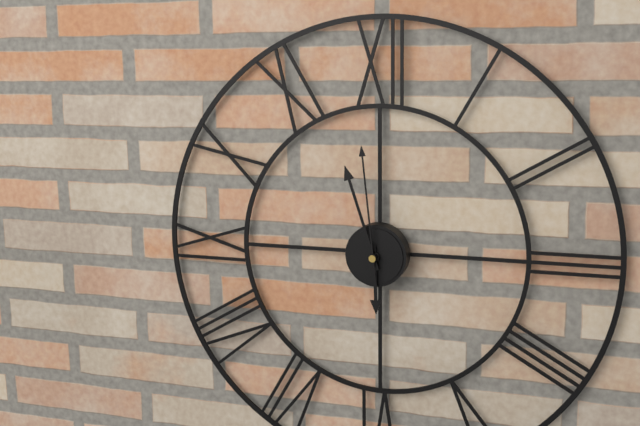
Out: 5h57m59s
